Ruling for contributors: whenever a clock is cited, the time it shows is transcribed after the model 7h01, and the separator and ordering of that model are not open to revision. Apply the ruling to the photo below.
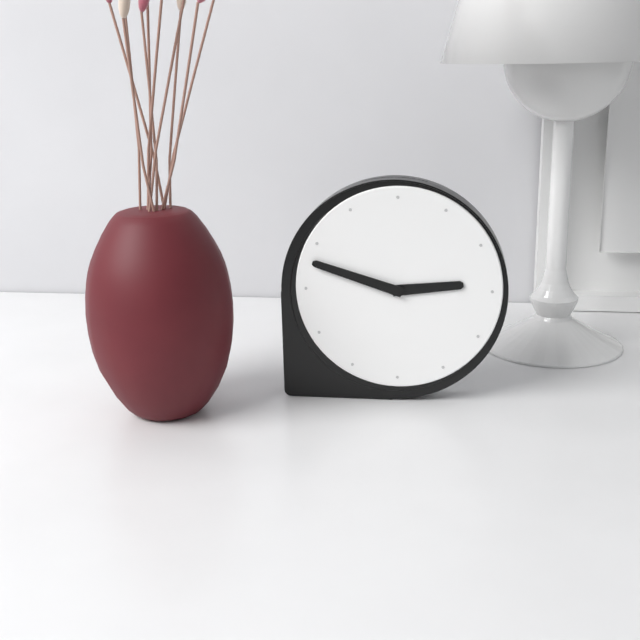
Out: 2h48
